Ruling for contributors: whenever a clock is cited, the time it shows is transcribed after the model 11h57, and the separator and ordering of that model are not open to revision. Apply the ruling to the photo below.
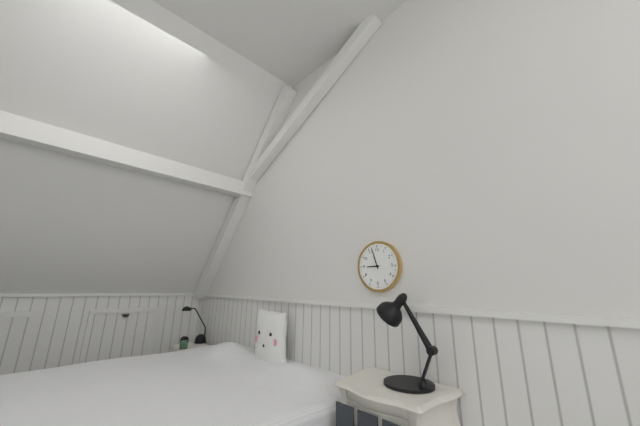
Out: 8h57
